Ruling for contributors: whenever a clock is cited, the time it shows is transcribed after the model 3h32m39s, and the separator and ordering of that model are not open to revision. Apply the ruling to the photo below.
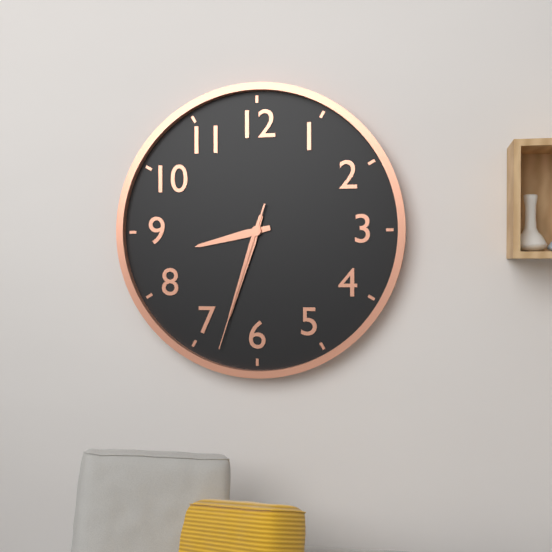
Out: 8h33m33s
